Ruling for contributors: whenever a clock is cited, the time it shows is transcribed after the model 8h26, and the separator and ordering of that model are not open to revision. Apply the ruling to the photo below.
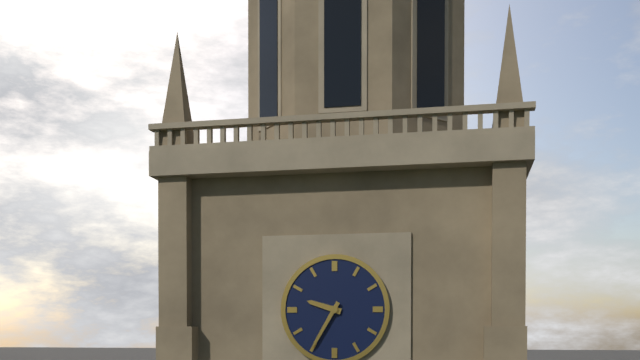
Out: 9h35
